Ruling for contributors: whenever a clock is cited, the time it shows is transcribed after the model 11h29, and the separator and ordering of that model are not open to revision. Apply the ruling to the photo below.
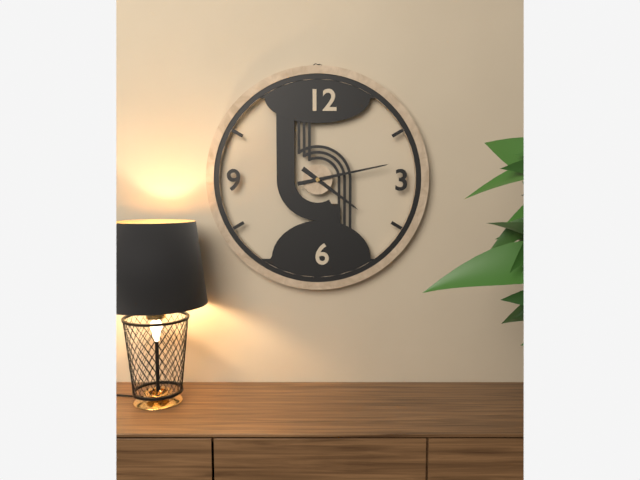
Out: 4h13
